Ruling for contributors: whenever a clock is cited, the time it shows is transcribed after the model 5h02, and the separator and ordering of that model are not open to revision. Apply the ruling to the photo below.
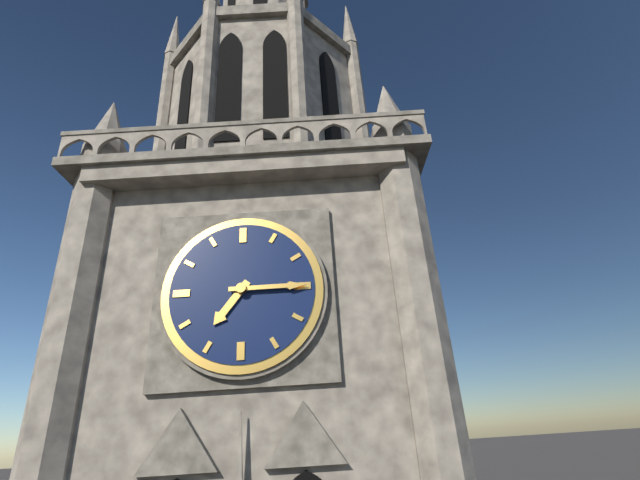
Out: 7h15
